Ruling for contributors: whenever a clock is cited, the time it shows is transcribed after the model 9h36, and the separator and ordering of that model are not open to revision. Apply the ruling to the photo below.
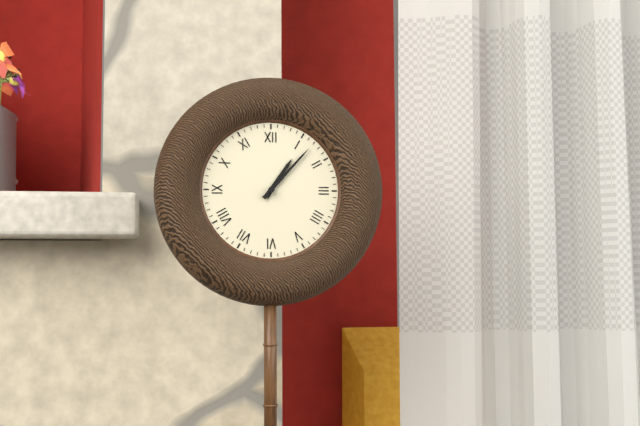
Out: 1h07
